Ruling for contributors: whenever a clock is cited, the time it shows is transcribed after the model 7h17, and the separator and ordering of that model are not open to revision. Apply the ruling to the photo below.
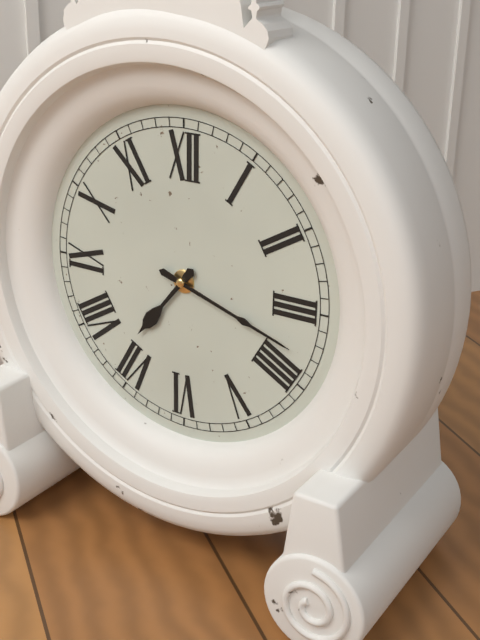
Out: 7h18
